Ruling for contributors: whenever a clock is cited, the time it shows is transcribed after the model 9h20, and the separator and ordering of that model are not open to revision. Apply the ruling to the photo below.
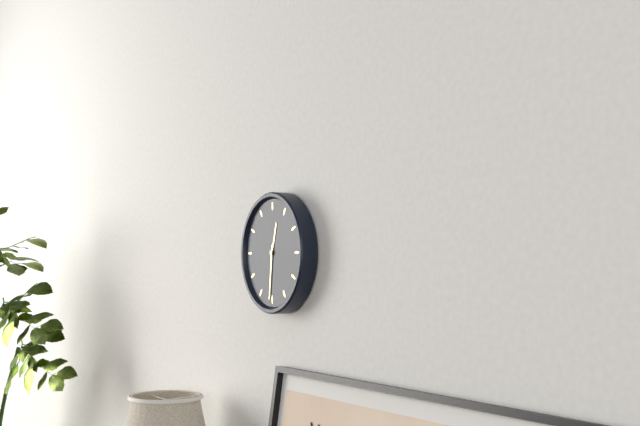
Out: 12h31
